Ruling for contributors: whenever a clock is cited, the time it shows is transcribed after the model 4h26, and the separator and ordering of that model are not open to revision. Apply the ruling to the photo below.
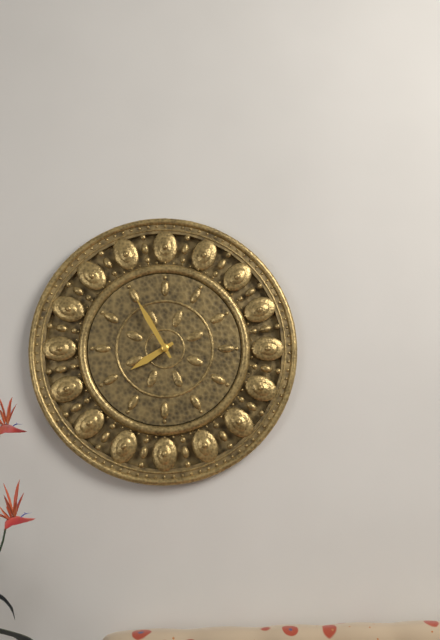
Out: 7h55
